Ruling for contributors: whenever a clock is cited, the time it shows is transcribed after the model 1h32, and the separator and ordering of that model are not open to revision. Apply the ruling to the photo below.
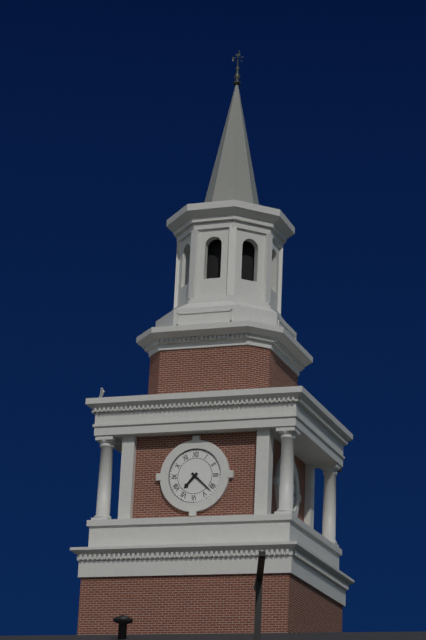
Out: 7h22
